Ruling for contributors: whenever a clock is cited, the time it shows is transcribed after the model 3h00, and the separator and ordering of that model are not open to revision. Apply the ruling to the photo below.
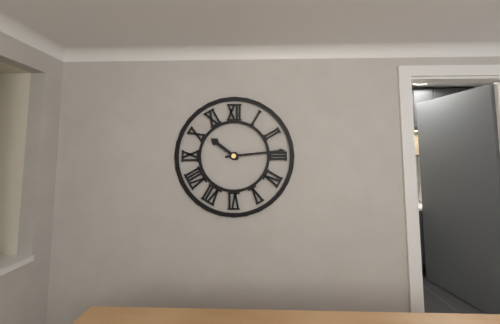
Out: 10h14
